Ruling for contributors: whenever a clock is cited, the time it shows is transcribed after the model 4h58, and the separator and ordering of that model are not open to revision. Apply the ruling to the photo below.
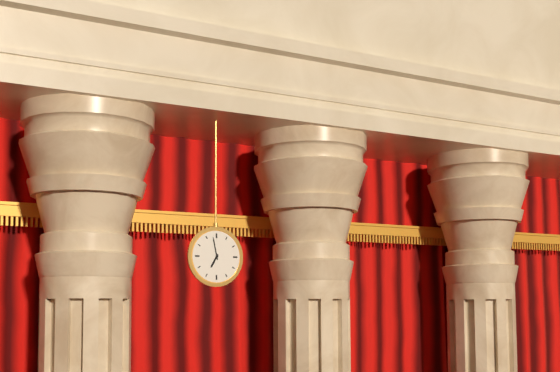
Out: 6h58
